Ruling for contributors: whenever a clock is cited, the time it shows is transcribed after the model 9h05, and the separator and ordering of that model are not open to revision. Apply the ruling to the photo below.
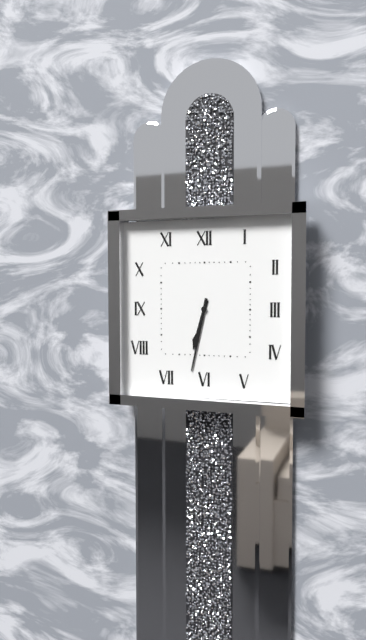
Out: 6h32
